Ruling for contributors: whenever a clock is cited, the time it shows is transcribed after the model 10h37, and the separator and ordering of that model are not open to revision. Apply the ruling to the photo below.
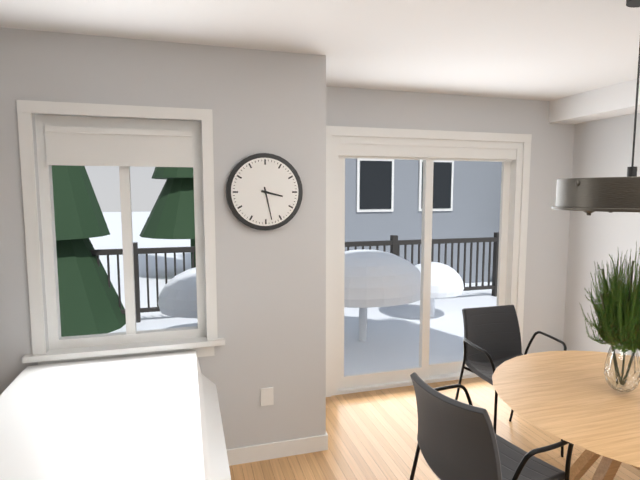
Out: 3h28
